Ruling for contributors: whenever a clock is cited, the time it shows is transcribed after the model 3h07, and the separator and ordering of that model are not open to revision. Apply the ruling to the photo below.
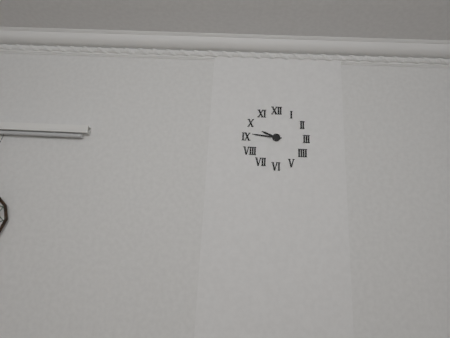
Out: 9h46
